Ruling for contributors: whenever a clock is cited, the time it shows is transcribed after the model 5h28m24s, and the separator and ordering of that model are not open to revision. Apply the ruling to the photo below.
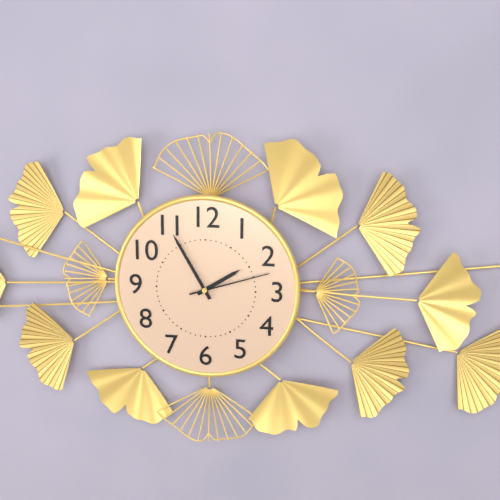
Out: 1h55m12s
